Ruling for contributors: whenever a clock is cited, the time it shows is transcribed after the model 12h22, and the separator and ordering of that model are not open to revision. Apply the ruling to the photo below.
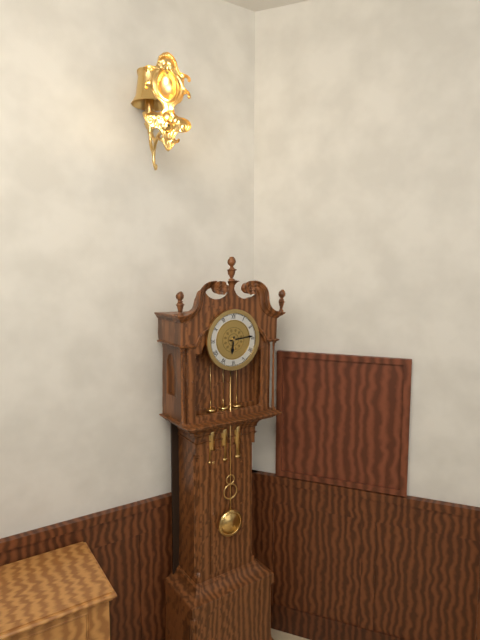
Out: 6h14
